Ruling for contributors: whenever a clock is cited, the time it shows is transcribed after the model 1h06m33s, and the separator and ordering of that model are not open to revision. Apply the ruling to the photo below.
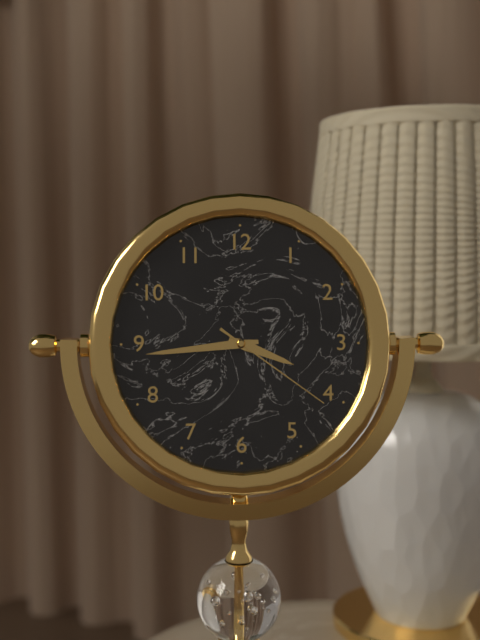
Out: 3h44m21s
